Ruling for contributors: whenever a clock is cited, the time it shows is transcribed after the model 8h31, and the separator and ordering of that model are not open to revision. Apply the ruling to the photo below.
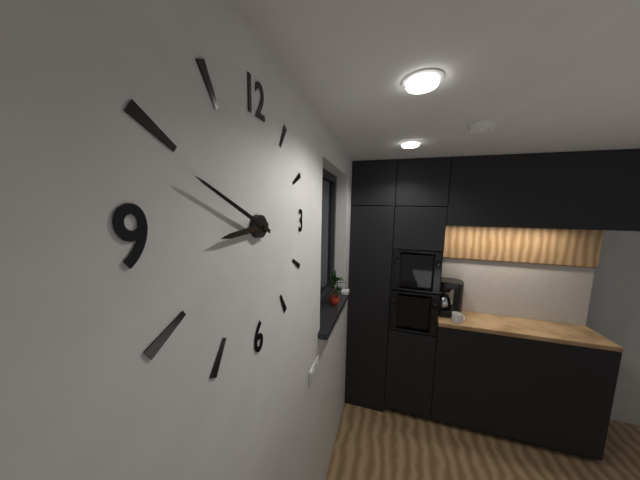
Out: 8h49
